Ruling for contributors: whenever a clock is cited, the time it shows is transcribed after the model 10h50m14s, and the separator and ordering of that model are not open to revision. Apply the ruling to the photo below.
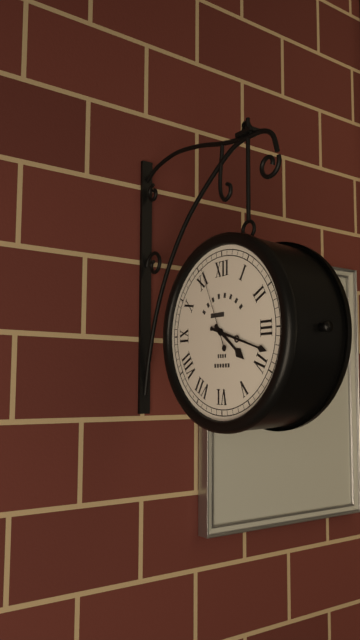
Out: 4h18m56s
